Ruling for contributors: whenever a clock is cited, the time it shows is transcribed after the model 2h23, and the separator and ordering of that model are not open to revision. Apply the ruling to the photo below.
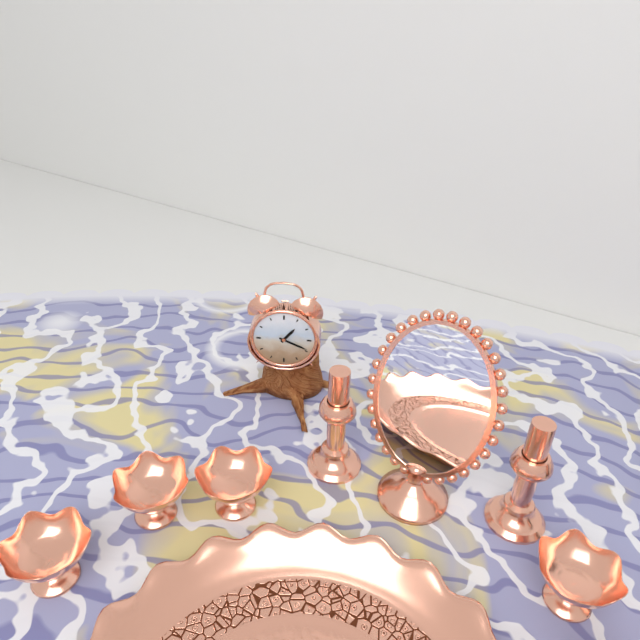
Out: 1h19
